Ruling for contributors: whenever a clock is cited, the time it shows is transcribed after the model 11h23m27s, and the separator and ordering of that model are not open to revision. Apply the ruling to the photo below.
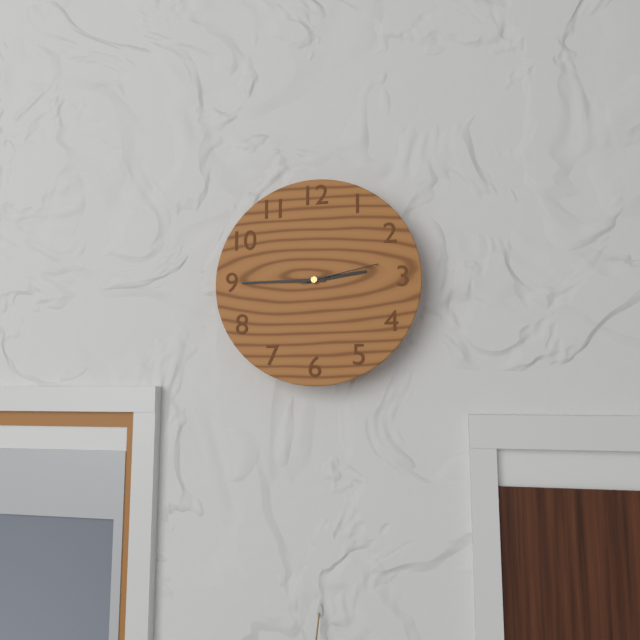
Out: 2h45m13s
